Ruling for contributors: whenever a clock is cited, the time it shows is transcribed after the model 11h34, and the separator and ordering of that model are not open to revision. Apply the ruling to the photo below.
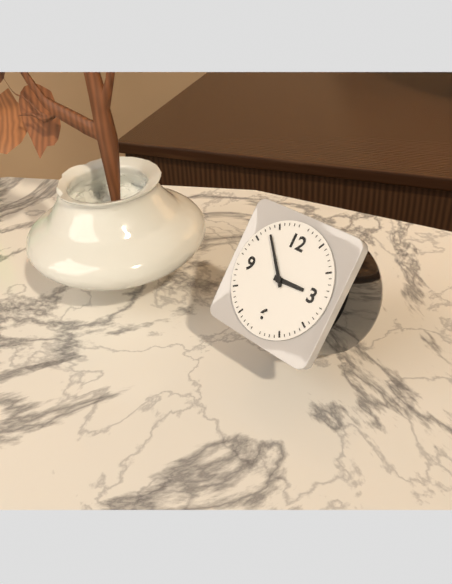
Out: 2h53
